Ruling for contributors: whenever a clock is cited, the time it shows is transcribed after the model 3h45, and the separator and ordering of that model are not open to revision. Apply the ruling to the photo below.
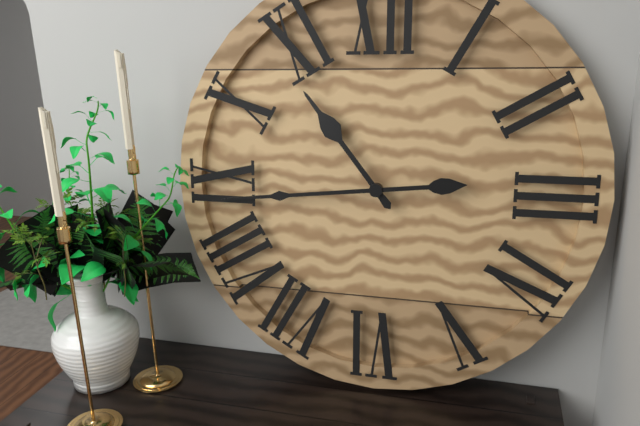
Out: 10h44
